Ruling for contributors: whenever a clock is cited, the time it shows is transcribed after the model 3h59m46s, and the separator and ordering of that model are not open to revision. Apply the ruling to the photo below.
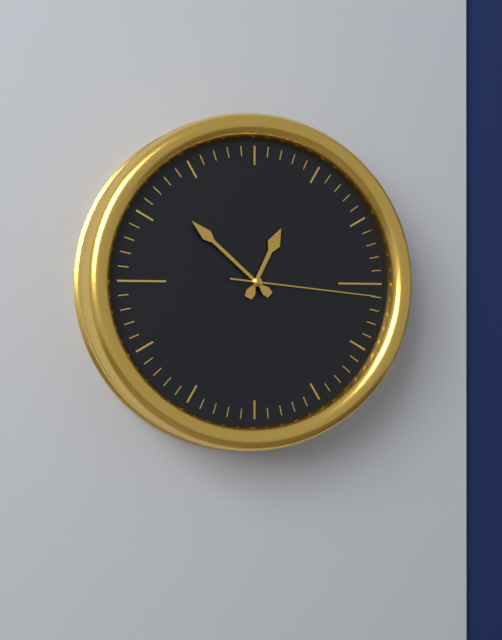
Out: 12h52m16s
